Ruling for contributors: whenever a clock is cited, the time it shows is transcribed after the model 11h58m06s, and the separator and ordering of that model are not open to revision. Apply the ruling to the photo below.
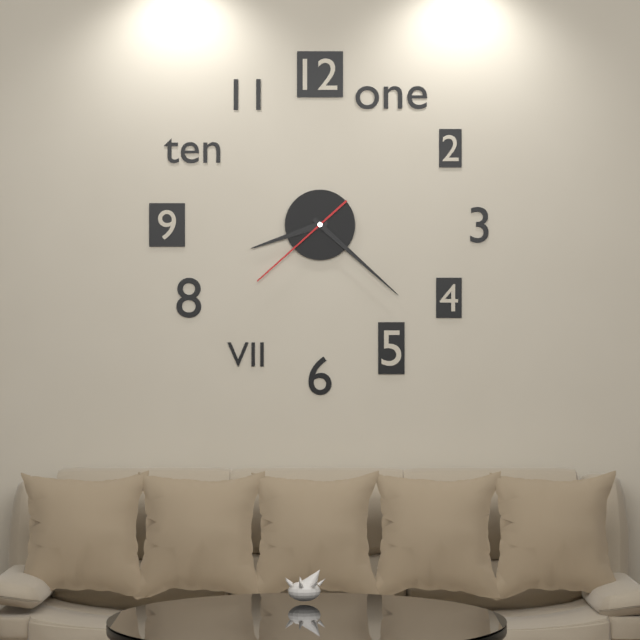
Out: 8h22m38s
